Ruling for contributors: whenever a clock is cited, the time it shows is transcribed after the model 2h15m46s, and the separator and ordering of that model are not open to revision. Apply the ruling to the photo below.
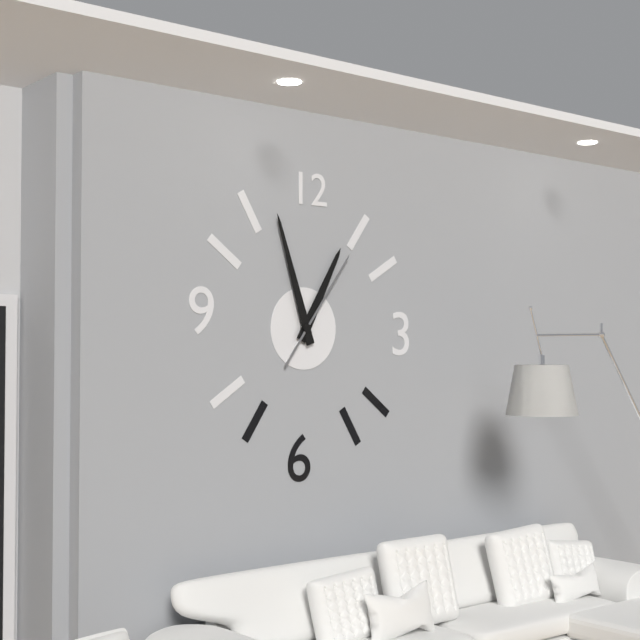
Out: 12h57m06s
